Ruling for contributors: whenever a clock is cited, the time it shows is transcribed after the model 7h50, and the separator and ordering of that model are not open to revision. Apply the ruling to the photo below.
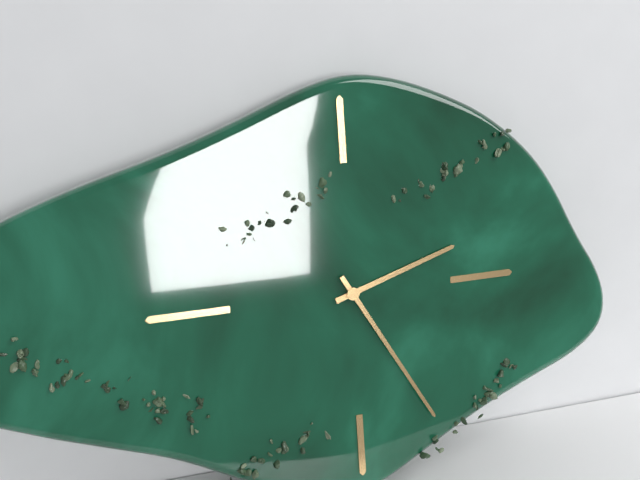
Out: 2h25
